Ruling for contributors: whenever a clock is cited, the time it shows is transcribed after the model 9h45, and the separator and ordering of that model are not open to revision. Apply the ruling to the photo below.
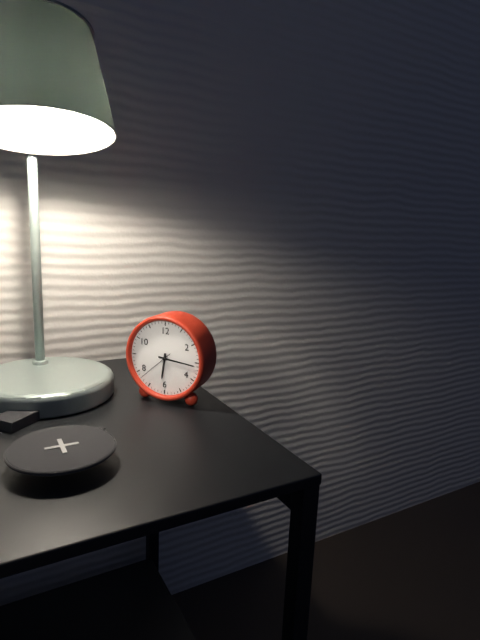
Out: 6h16
